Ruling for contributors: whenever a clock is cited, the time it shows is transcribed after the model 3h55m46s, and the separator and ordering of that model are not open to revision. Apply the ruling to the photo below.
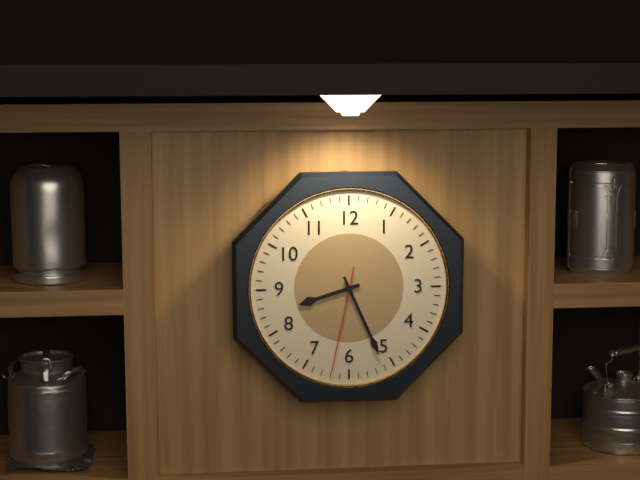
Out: 8h26m32s
